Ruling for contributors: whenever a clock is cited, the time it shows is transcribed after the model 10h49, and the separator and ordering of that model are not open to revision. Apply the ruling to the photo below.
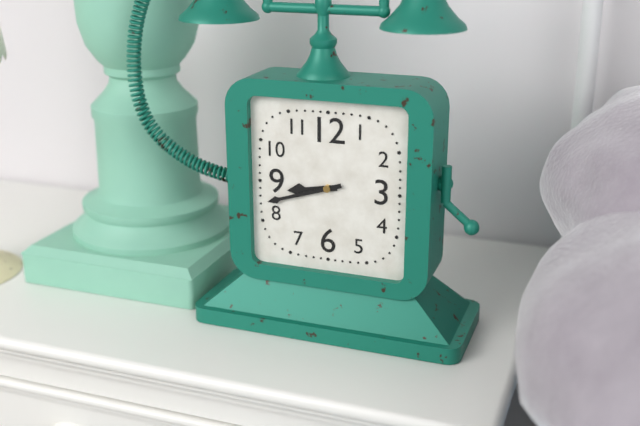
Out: 8h42
